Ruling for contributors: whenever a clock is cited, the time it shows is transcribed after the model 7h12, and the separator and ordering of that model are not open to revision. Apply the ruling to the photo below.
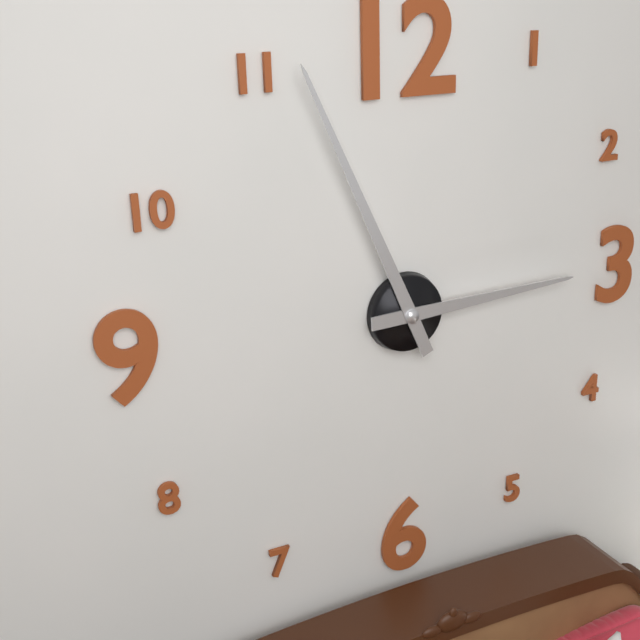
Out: 2h56
